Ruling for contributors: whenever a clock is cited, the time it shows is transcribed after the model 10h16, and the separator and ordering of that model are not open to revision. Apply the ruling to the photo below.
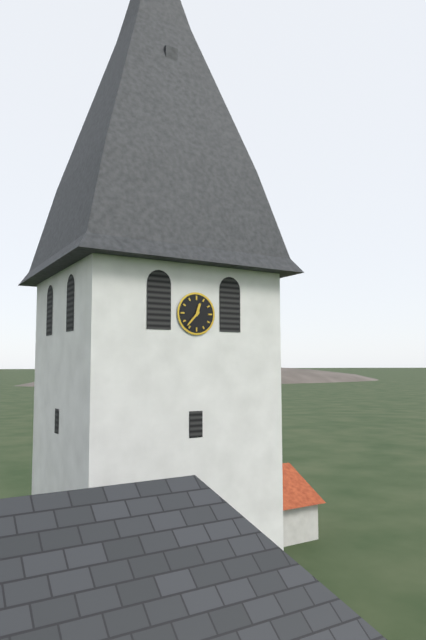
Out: 12h37
